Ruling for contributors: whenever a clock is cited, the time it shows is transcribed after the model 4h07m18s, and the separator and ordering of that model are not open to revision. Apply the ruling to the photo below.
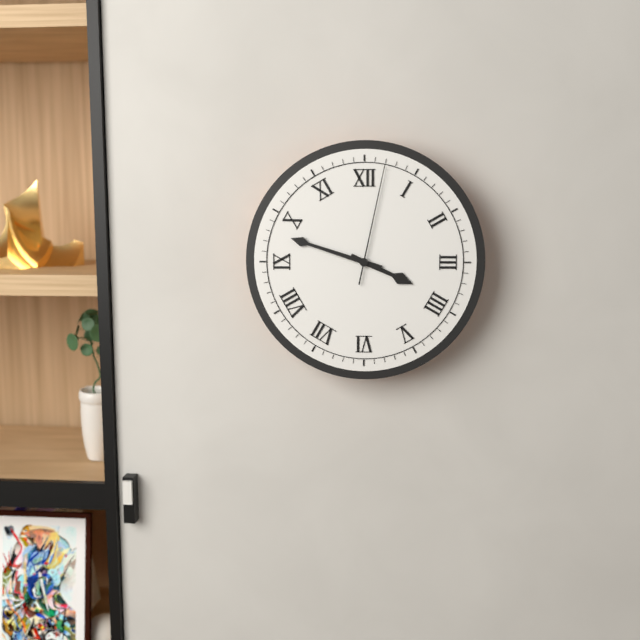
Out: 3h48m02s
